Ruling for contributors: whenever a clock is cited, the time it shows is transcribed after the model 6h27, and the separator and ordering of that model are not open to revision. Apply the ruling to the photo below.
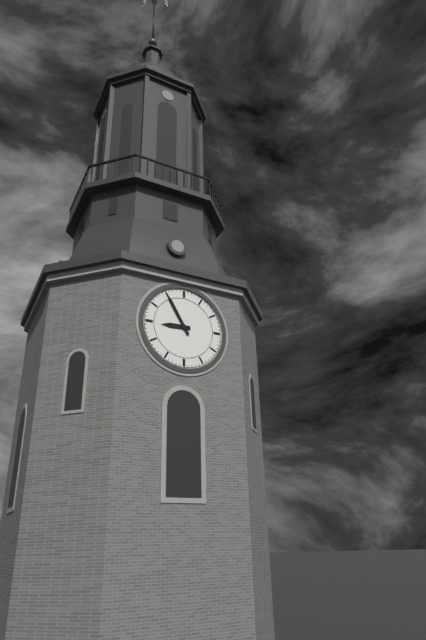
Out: 8h55
